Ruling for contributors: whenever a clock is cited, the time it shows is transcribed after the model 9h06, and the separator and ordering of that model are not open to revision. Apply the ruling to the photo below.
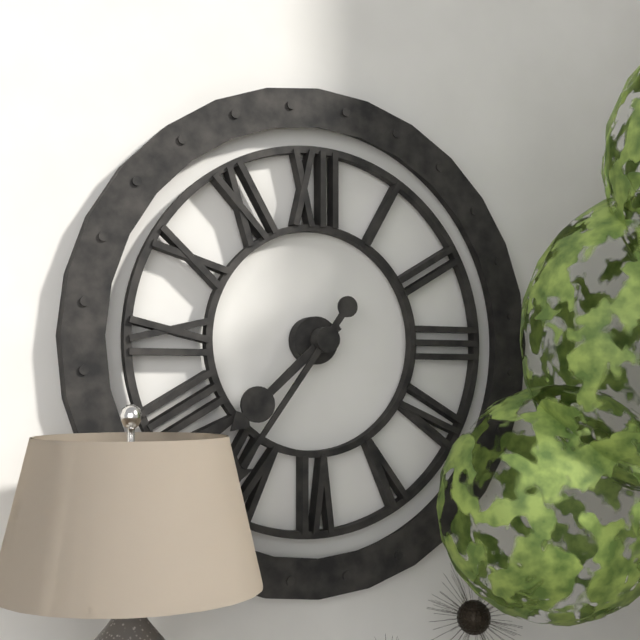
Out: 7h36
